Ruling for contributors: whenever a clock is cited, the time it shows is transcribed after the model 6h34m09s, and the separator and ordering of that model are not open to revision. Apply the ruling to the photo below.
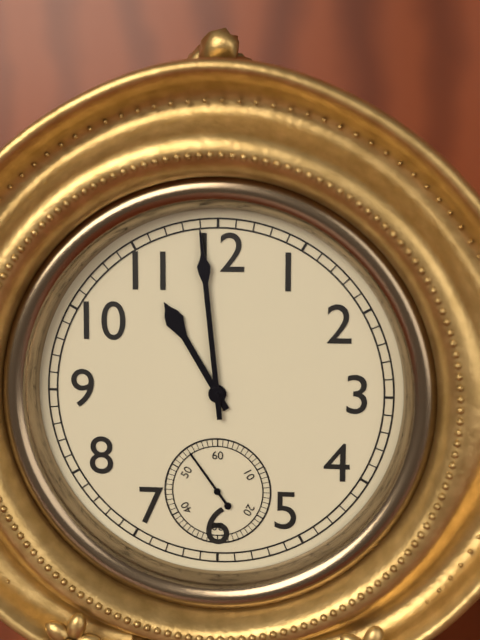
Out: 10h59m54s
